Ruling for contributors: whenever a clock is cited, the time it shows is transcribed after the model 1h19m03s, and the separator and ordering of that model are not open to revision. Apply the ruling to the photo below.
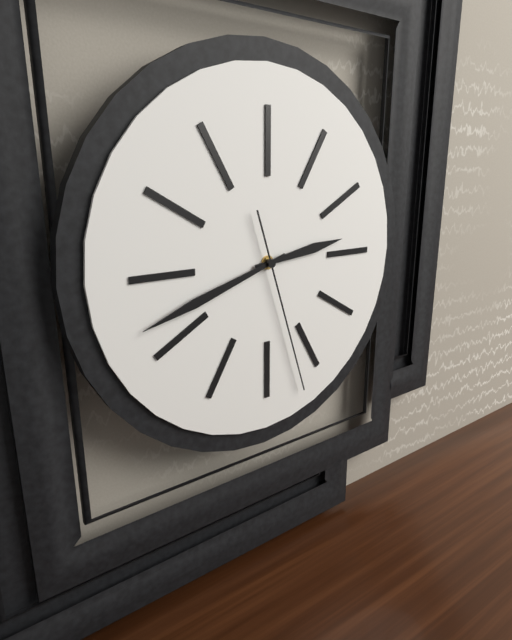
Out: 2h42m27s
